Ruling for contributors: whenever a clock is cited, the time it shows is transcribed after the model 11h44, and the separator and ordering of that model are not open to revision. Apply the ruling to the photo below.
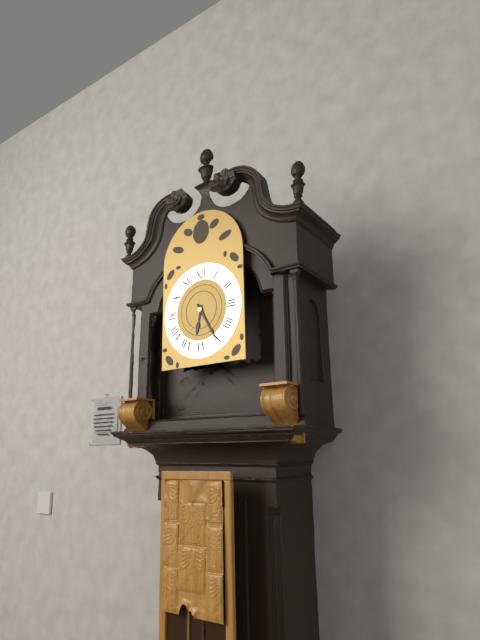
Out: 6h25
